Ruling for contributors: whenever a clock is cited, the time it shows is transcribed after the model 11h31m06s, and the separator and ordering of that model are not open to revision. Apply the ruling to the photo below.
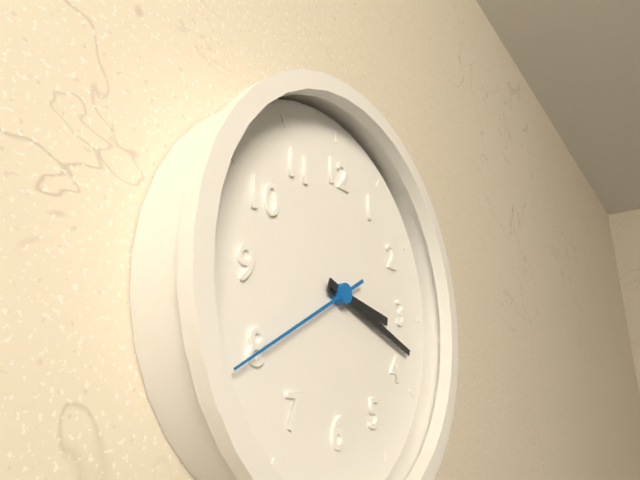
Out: 3h18m40s
